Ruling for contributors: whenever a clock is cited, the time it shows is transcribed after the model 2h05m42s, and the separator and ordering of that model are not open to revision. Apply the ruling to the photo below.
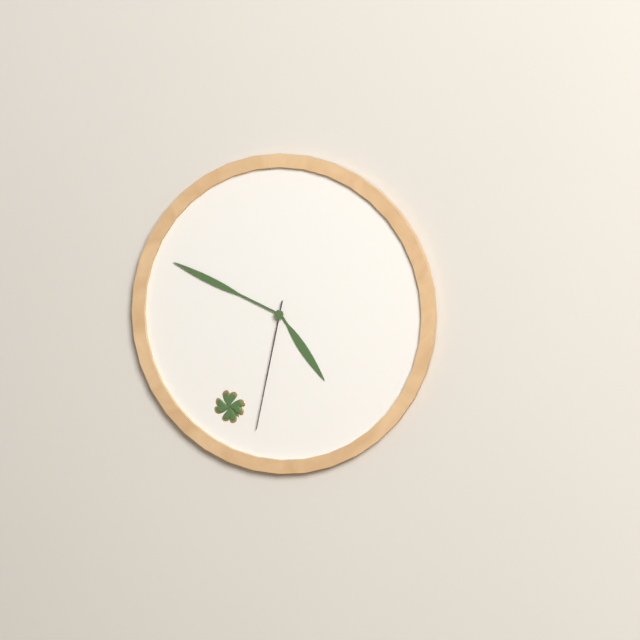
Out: 4h49m32s
